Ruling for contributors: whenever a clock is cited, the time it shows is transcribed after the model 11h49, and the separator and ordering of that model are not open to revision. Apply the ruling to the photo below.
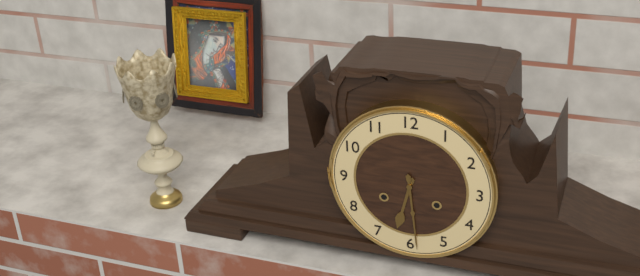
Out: 6h29
